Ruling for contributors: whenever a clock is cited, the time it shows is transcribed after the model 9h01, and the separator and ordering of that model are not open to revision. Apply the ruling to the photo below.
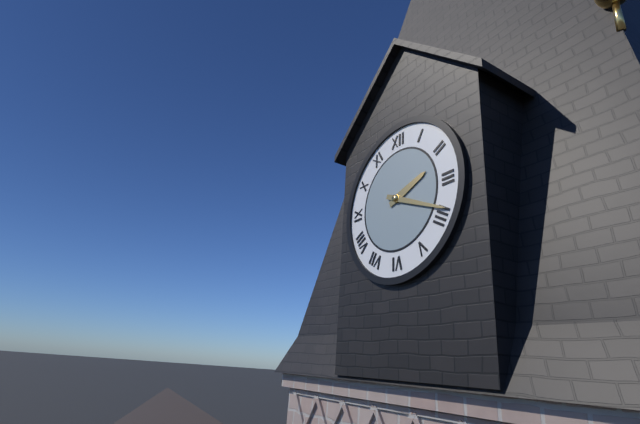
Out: 2h19
